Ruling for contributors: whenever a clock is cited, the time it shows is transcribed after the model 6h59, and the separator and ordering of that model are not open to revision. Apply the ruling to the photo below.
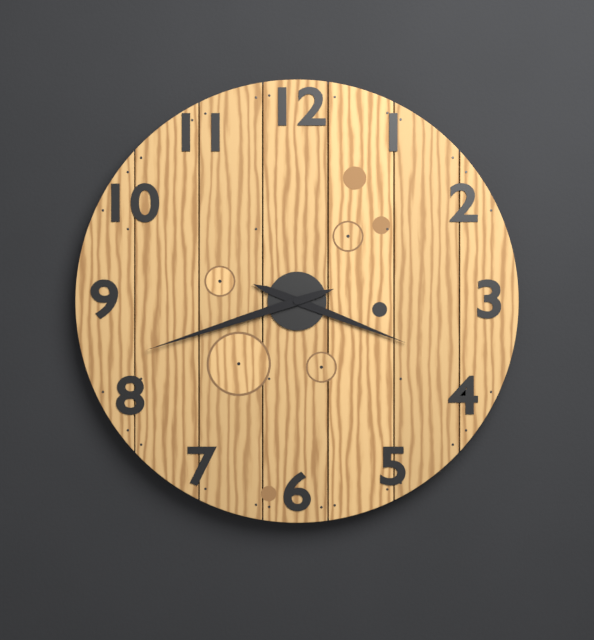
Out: 3h42
